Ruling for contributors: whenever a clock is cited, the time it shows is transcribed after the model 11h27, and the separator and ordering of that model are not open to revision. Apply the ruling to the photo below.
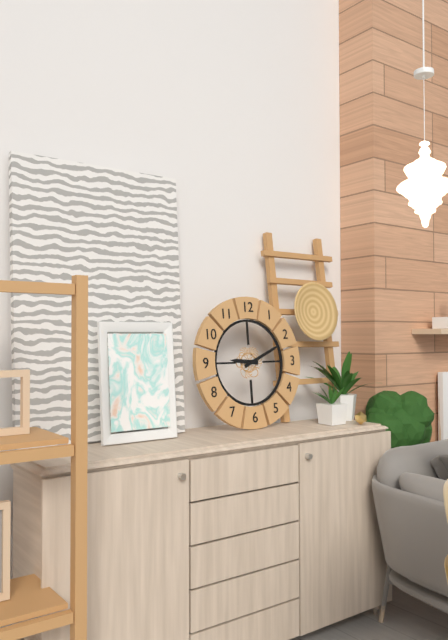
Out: 9h11
